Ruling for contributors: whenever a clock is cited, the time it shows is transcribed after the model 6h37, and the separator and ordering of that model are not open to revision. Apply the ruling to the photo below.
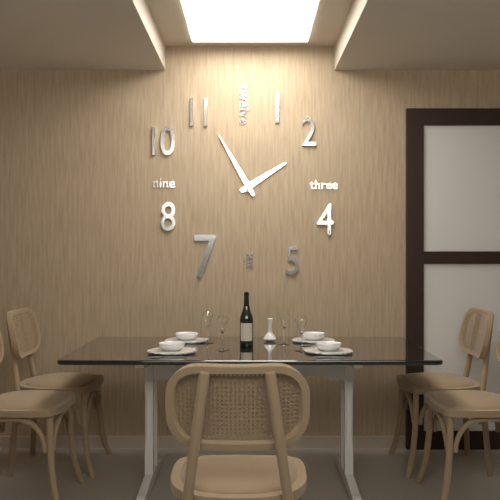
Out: 1h55
